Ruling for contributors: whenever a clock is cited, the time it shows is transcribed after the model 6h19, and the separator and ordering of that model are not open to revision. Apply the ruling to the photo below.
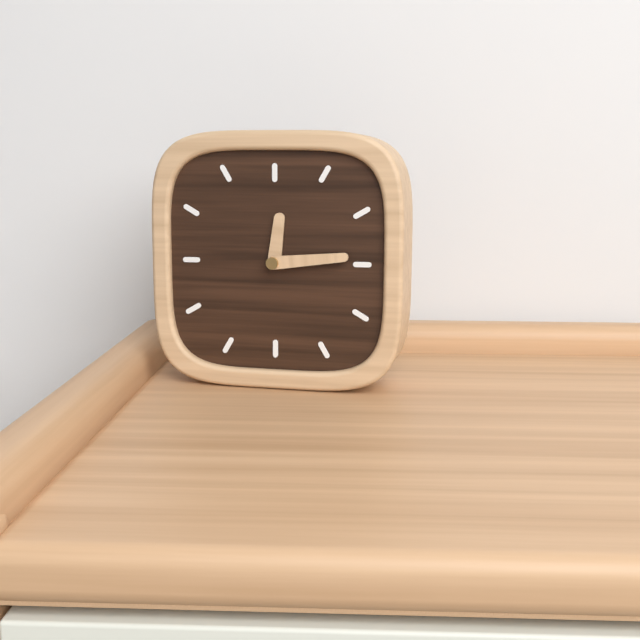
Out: 12h14
